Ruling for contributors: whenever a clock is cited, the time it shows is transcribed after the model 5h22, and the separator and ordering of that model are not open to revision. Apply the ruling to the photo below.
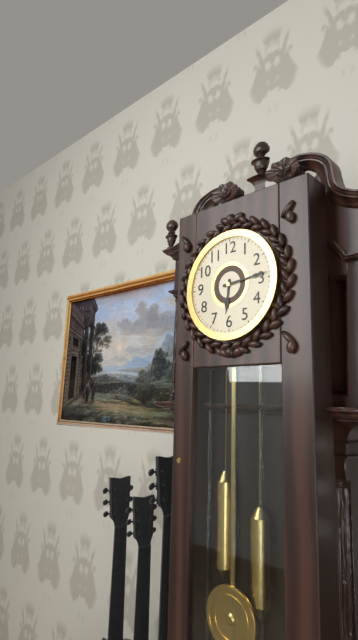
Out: 6h14
